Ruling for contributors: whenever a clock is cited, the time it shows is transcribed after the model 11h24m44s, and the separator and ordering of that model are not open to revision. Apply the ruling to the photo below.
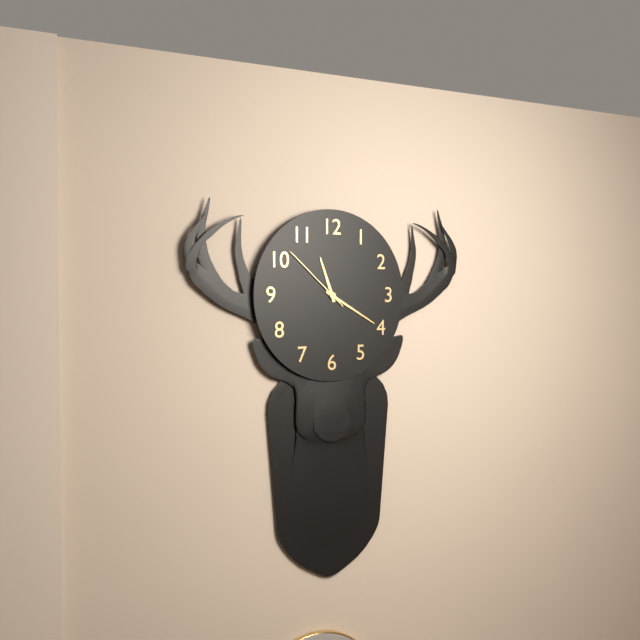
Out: 11h20m52s
